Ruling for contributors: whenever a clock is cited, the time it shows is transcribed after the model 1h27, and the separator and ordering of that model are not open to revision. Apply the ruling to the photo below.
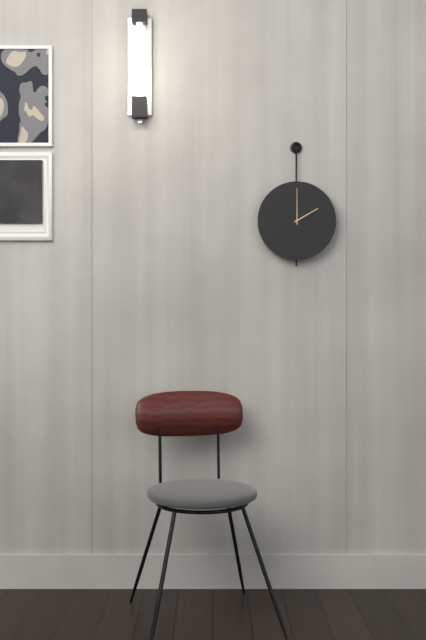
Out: 2h00
